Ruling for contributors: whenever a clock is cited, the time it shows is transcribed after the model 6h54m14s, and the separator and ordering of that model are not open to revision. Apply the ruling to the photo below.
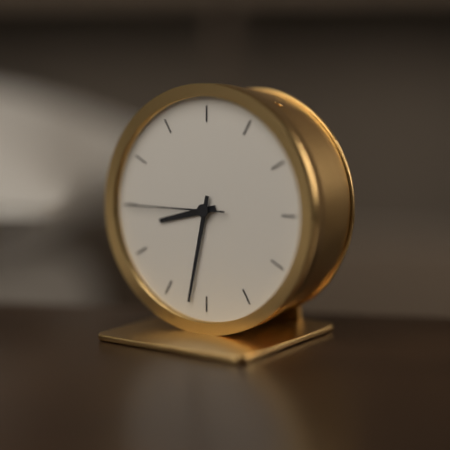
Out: 8h32m45s
